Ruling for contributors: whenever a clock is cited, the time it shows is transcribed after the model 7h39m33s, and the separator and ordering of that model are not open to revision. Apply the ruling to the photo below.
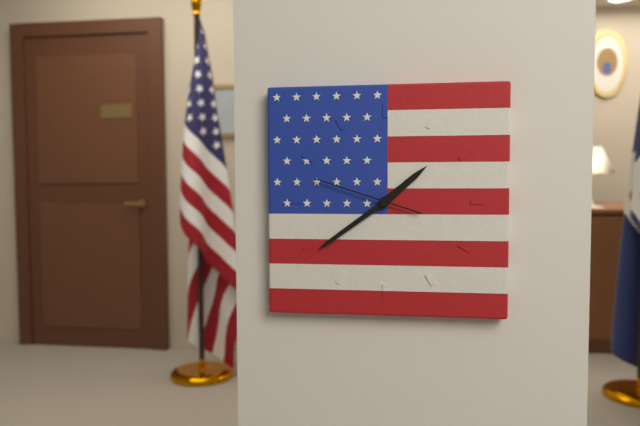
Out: 1h39m48s
